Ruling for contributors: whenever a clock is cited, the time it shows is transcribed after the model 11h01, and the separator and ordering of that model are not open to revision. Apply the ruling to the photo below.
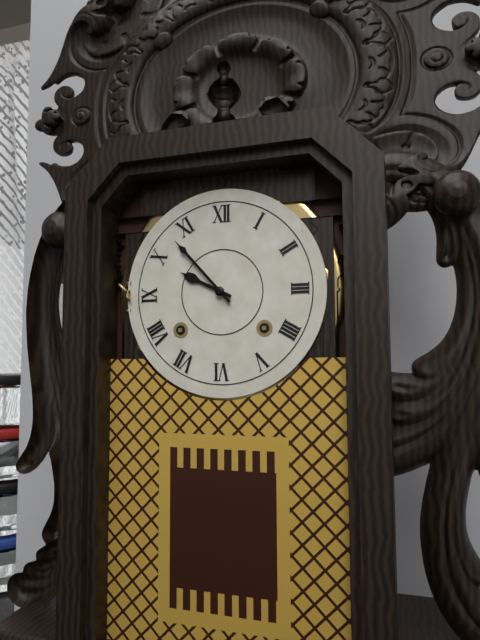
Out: 9h53
